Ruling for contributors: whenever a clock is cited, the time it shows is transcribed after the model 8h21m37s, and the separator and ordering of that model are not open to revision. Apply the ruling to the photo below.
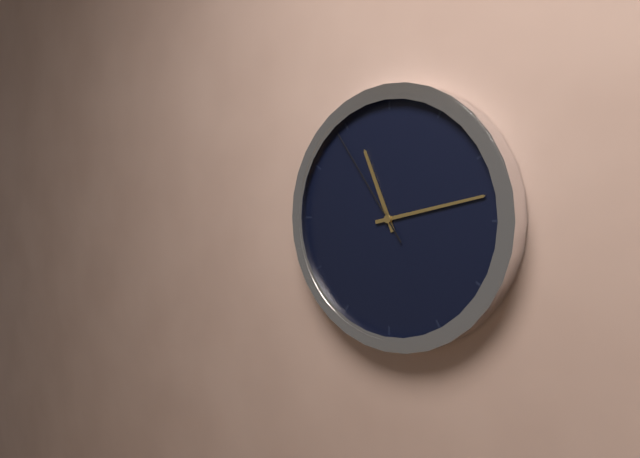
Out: 11h13m54s
